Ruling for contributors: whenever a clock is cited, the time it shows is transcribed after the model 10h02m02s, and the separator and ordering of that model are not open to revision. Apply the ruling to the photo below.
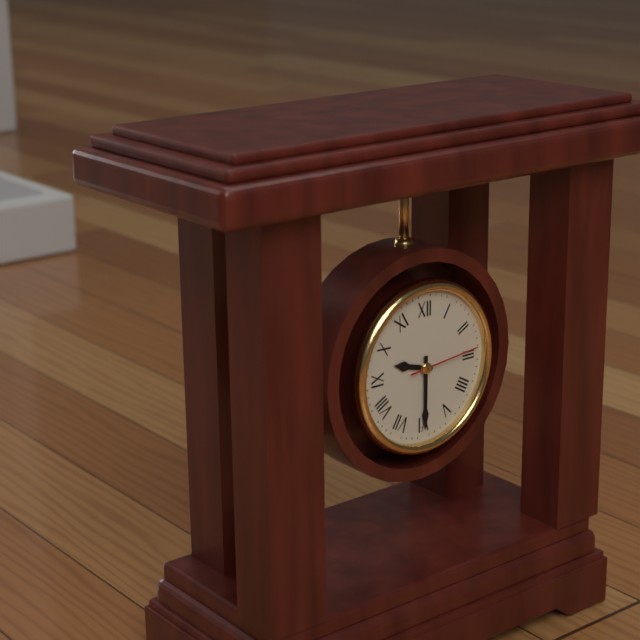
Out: 9h30m14s
